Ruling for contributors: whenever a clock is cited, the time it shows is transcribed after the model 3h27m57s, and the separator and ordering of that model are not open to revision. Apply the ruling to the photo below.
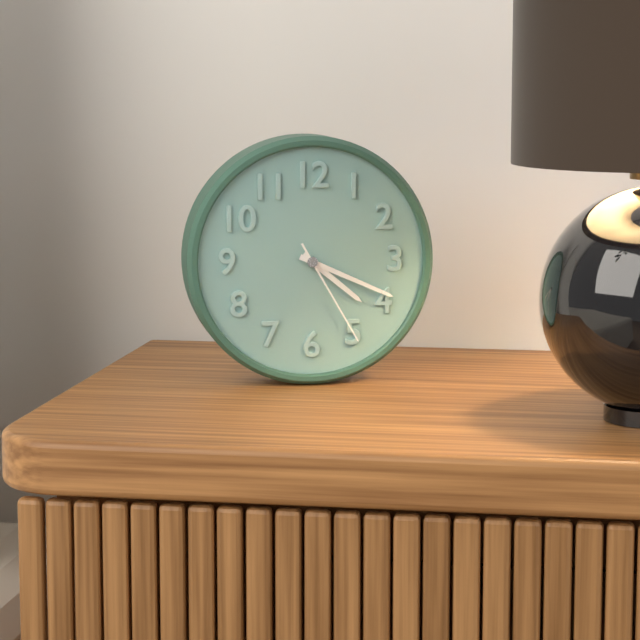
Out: 4h19m25s
